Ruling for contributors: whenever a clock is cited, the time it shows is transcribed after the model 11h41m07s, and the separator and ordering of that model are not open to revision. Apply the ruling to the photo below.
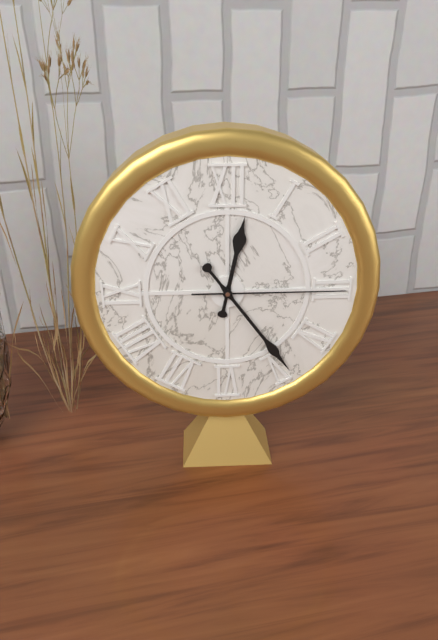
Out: 12h24m15s
